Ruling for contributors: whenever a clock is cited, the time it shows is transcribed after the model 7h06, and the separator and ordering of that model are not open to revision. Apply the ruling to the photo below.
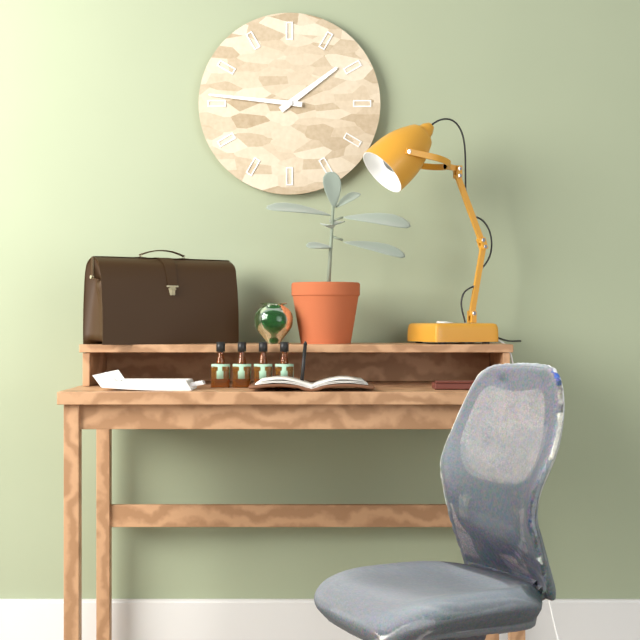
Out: 1h46
